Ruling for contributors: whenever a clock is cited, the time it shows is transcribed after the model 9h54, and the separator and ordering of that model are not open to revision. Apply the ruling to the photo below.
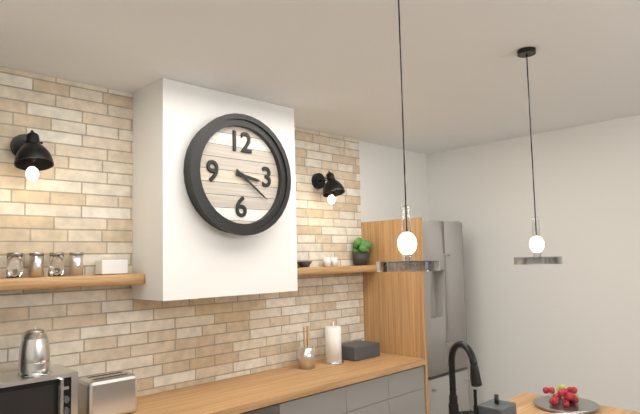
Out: 3h21
